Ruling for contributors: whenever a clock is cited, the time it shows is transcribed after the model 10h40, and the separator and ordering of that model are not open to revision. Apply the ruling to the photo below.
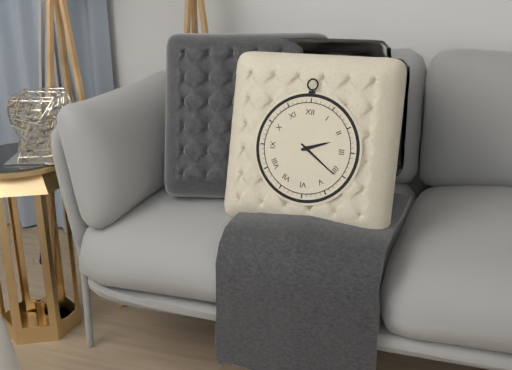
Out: 2h21
